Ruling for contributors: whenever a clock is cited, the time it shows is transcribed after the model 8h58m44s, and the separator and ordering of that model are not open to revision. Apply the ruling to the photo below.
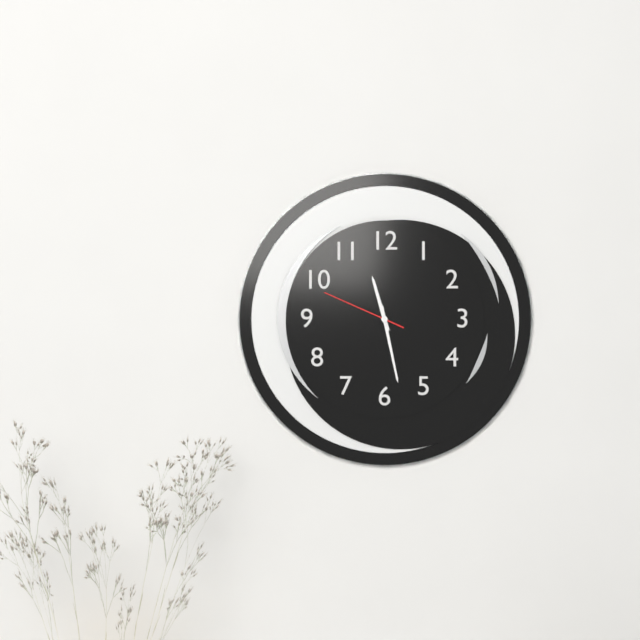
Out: 11h28m49s
